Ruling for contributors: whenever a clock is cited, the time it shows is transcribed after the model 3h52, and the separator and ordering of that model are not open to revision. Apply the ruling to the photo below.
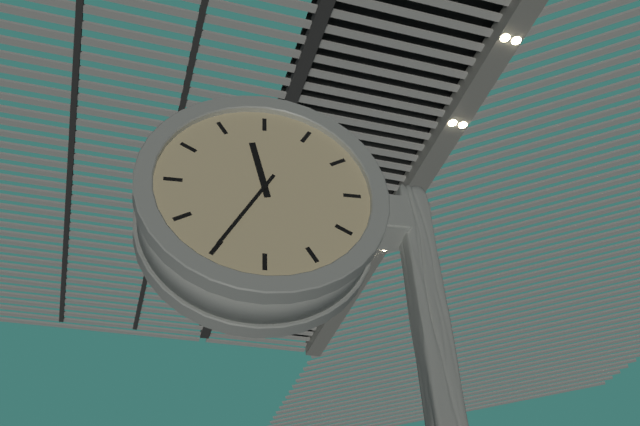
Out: 11h35
